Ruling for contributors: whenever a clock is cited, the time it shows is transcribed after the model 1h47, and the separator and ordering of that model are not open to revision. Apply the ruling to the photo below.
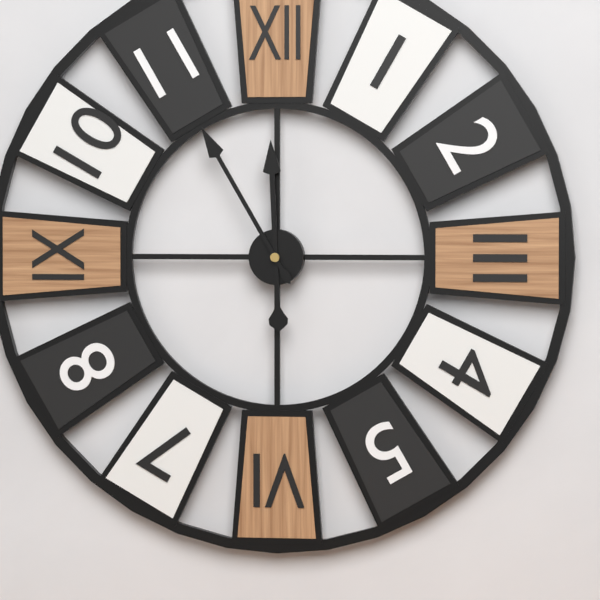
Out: 11h55
